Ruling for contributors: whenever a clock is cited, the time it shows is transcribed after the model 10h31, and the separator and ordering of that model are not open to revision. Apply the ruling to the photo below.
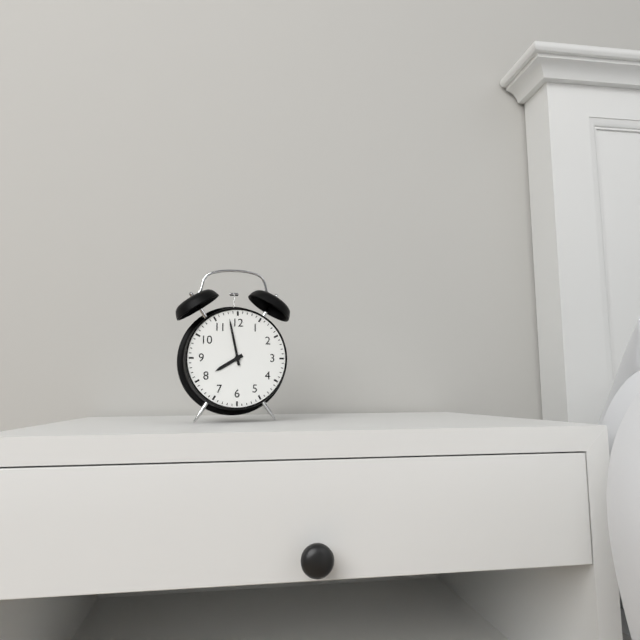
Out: 7h58
